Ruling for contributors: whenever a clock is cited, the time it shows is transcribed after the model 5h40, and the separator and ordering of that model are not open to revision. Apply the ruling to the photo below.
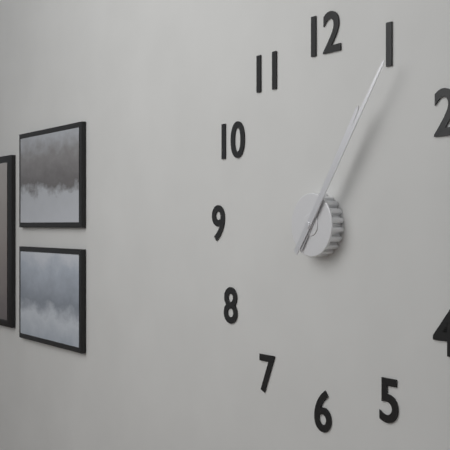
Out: 1h06
